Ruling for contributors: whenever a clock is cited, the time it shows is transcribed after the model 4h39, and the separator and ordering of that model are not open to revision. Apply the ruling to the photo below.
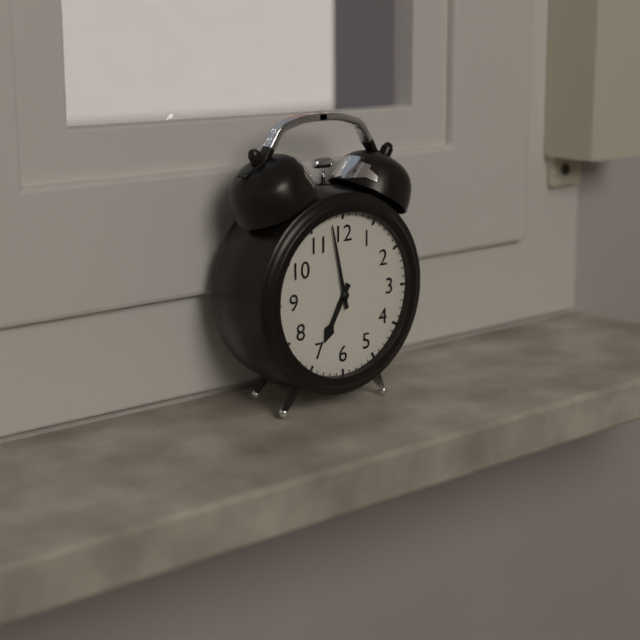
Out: 6h58
